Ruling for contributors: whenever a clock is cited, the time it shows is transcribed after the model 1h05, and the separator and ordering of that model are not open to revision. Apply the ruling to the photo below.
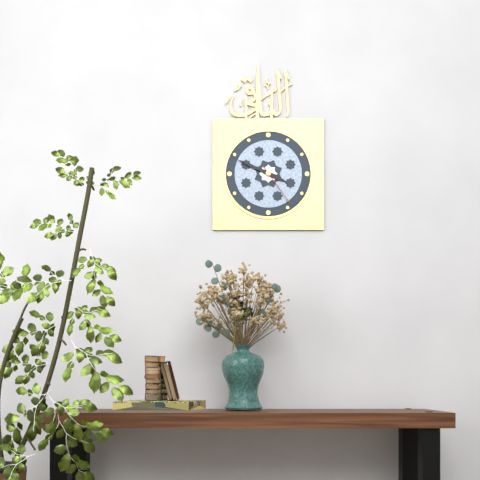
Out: 3h49
